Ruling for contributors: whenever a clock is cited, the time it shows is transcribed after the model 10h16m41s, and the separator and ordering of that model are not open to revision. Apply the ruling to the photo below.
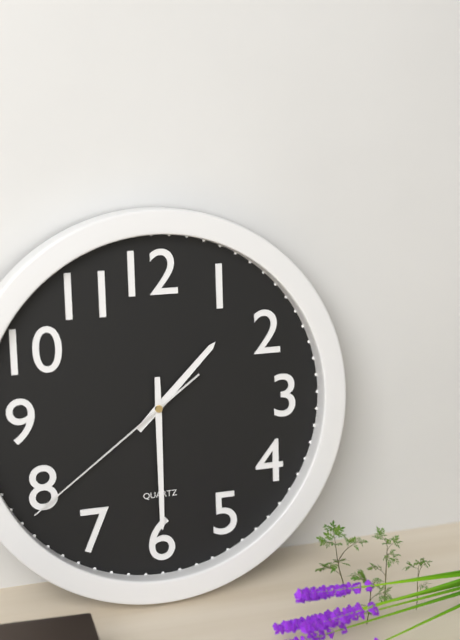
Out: 1h30m39s
